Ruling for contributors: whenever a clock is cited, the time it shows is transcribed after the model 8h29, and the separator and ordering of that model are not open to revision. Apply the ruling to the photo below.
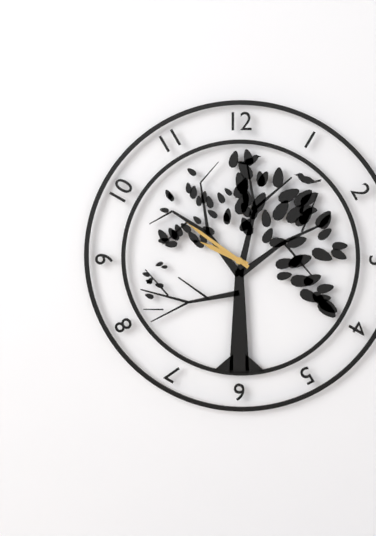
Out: 9h51
